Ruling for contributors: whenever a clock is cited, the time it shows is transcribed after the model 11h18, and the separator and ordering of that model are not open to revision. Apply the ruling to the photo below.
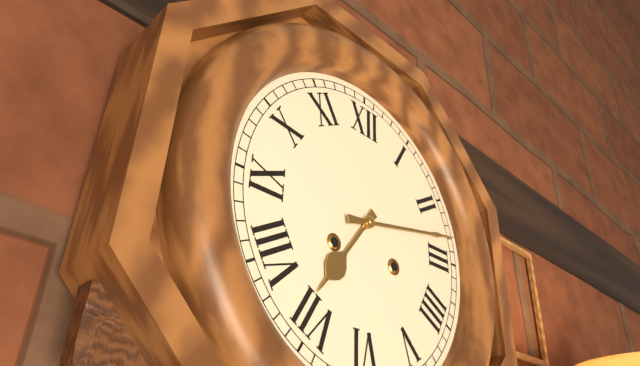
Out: 7h13
